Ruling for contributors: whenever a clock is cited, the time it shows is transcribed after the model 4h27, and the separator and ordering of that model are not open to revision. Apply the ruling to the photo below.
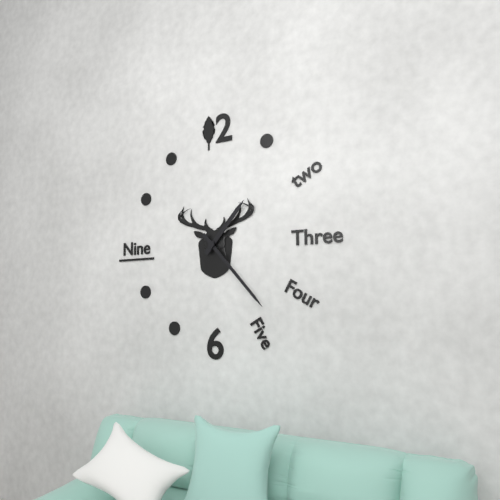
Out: 1h23
